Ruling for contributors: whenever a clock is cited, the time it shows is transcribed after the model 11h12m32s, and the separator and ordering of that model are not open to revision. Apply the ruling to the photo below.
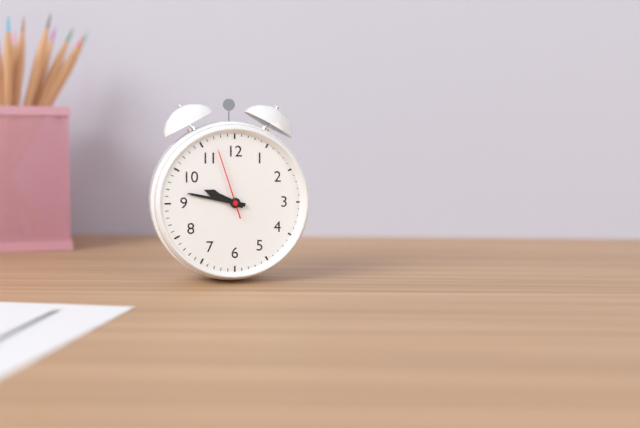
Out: 9h47m57s
